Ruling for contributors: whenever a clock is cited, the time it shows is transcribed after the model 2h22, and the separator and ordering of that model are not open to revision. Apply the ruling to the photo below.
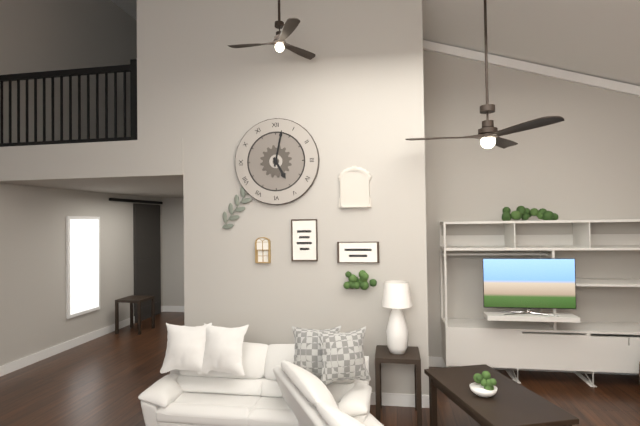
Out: 5h02
